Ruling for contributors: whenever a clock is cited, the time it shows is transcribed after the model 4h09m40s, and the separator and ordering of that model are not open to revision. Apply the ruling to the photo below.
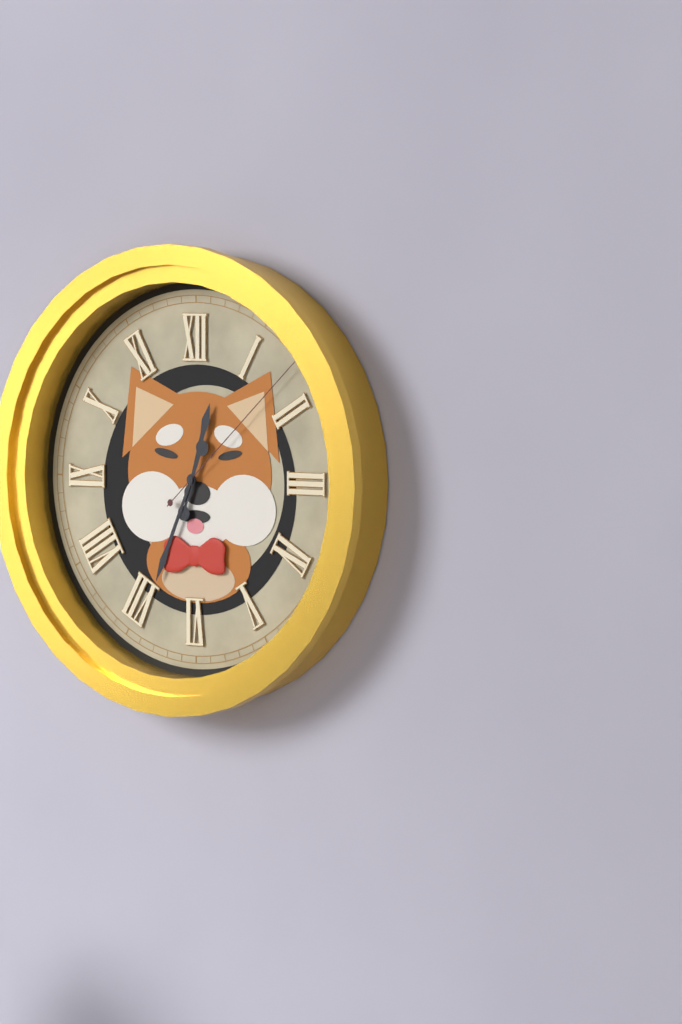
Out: 12h34m08s
